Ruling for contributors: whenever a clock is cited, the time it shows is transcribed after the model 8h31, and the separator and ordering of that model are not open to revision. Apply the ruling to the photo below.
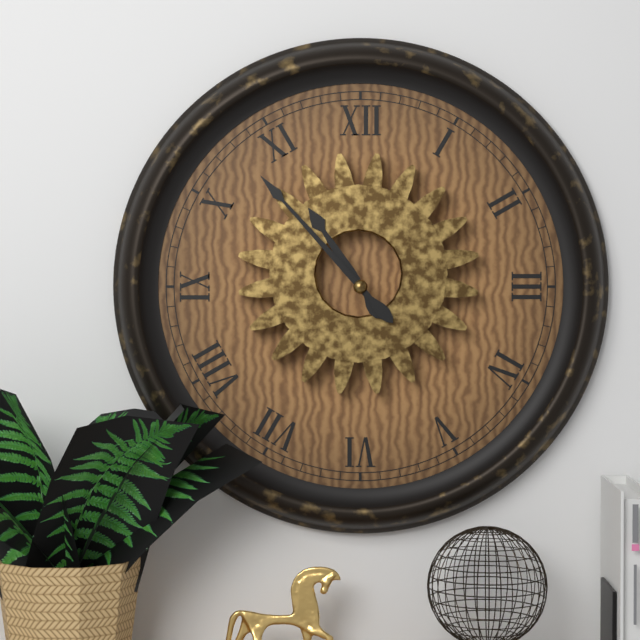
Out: 10h53
